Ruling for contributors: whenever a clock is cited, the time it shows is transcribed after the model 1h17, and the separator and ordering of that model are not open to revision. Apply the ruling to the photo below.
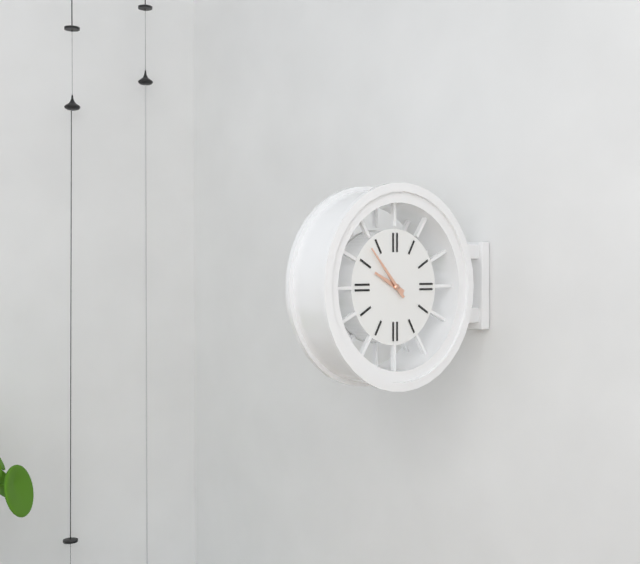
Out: 9h53
